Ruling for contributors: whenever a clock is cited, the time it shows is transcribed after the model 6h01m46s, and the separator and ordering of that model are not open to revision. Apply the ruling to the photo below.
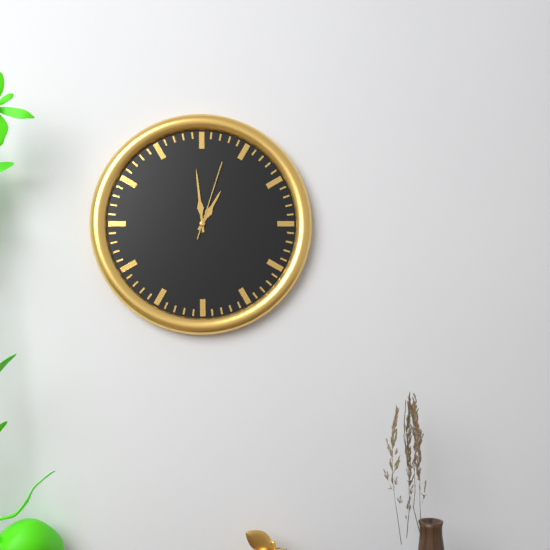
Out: 12h59m03s
